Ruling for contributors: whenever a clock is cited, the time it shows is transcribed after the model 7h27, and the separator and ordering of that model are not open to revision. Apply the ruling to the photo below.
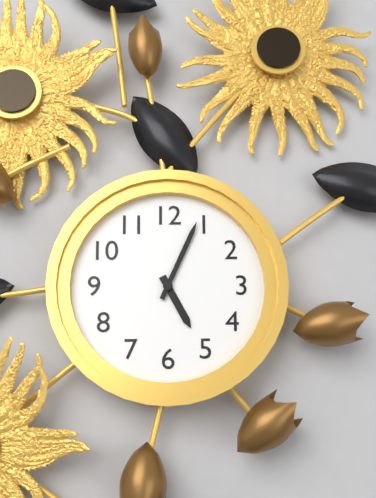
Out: 5h04
